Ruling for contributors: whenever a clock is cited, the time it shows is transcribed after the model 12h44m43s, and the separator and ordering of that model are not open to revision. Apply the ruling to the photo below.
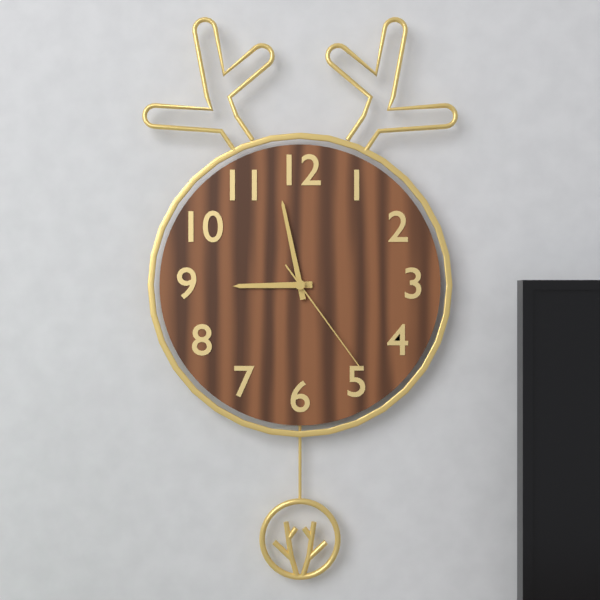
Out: 8h58m24s
